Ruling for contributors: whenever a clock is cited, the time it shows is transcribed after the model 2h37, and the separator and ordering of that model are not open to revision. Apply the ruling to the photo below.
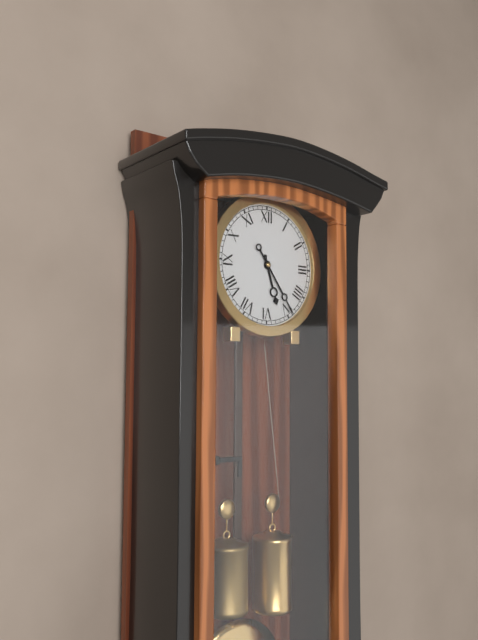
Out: 5h24
